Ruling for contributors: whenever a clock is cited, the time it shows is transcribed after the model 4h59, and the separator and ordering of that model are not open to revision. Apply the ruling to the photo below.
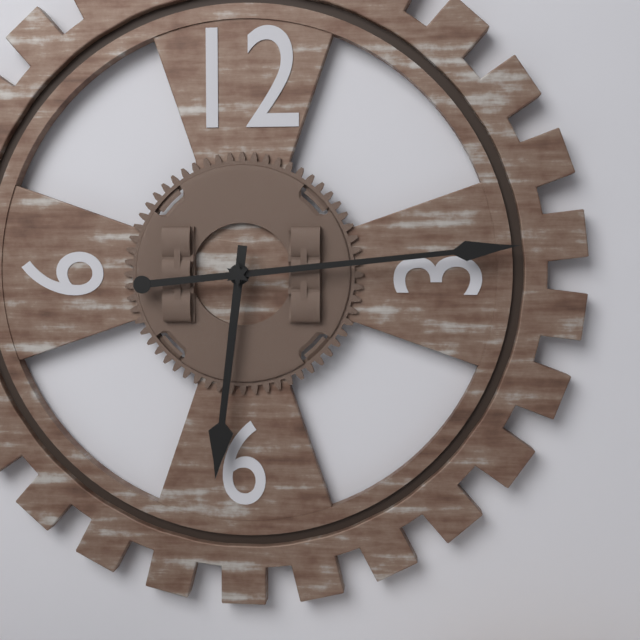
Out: 6h14
